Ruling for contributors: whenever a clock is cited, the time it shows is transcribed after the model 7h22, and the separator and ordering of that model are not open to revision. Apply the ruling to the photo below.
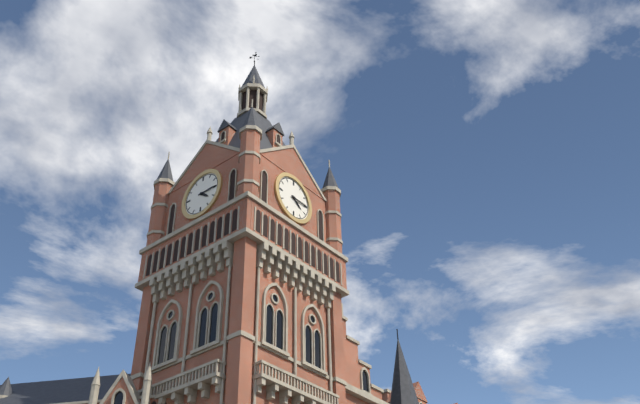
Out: 4h15
